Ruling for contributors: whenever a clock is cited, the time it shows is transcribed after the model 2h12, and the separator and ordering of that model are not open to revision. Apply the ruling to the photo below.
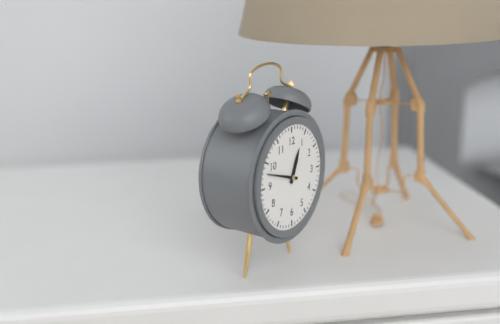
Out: 12h48
